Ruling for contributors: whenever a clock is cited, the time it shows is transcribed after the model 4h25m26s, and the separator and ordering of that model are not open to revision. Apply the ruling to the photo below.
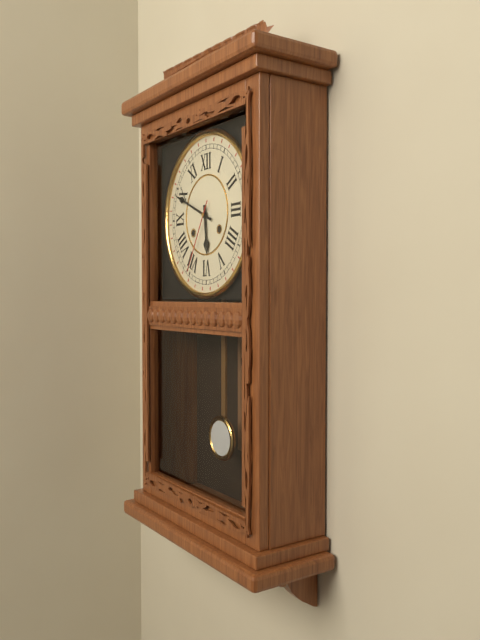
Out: 5h49m35s
